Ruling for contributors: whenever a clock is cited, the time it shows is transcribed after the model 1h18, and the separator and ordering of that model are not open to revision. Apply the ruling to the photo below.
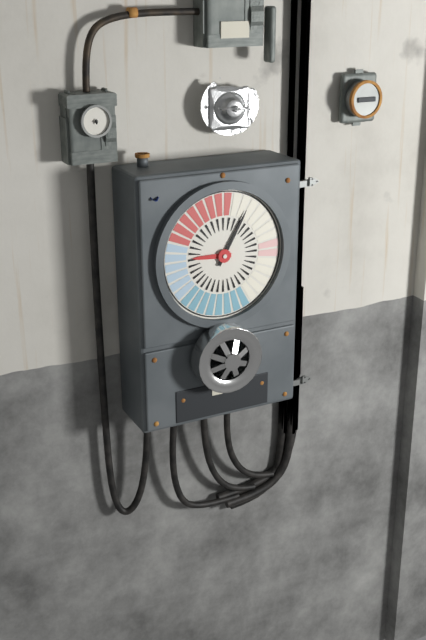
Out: 9h05
